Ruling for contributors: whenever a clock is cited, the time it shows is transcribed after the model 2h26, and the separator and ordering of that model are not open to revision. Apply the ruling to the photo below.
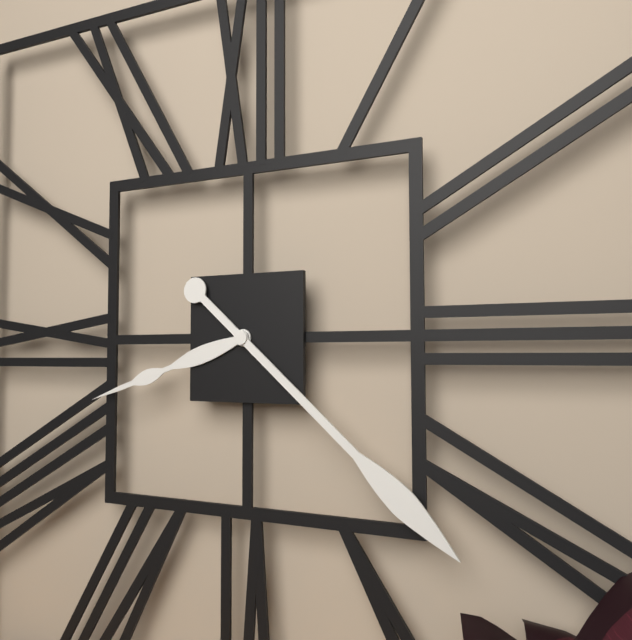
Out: 8h22
